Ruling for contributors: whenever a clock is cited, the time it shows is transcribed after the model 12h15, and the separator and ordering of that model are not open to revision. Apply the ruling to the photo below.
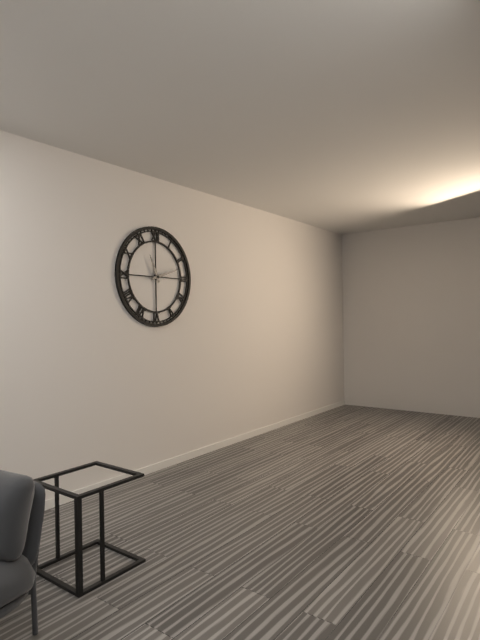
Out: 11h12
